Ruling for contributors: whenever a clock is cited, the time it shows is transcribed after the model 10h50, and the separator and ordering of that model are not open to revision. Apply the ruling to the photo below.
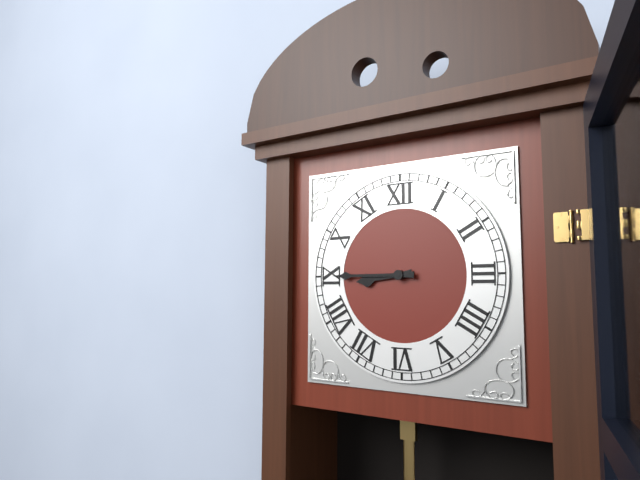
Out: 8h45
